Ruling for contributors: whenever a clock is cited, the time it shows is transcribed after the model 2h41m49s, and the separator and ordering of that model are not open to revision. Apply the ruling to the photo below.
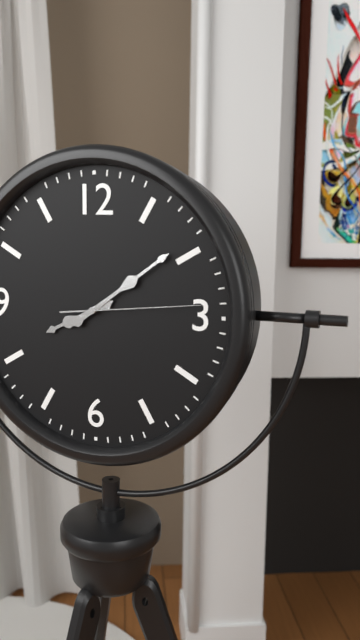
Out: 8h09m14s
